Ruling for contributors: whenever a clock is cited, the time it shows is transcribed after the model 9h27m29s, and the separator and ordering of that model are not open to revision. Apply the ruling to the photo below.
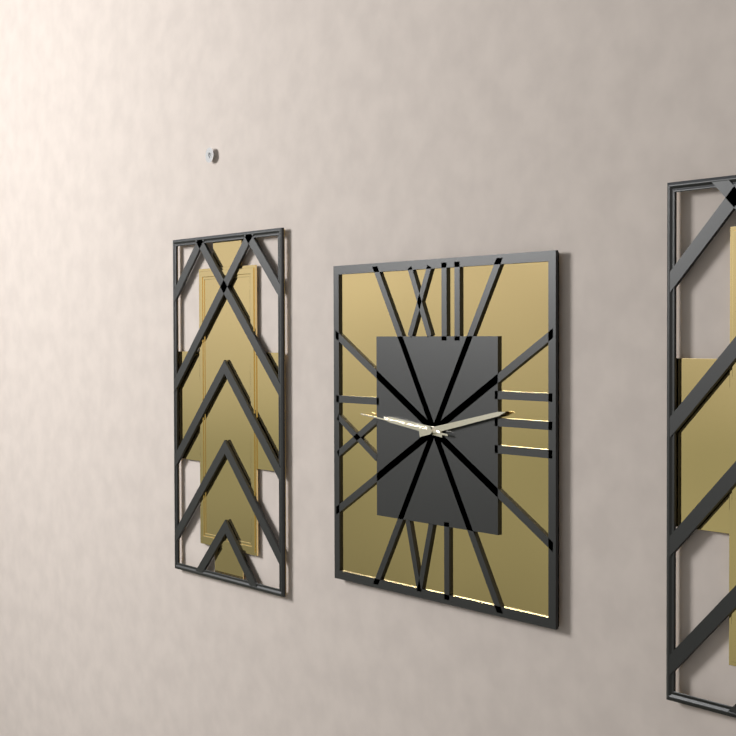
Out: 9h13m46s
